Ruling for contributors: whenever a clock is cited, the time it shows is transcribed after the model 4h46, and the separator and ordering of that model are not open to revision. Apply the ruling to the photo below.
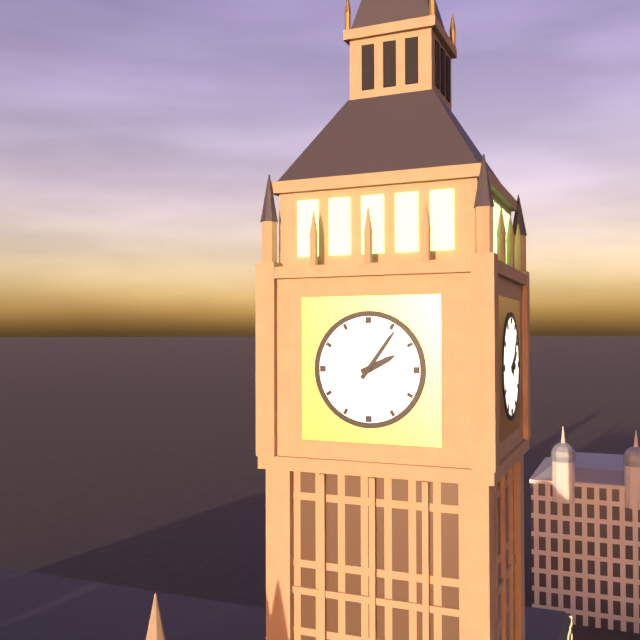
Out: 2h06
